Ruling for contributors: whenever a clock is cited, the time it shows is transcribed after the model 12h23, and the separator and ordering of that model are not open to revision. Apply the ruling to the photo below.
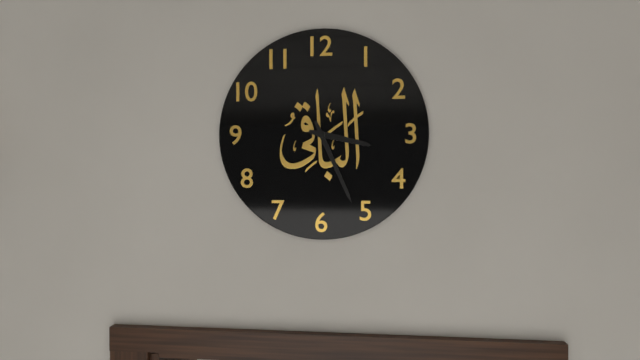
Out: 3h26
